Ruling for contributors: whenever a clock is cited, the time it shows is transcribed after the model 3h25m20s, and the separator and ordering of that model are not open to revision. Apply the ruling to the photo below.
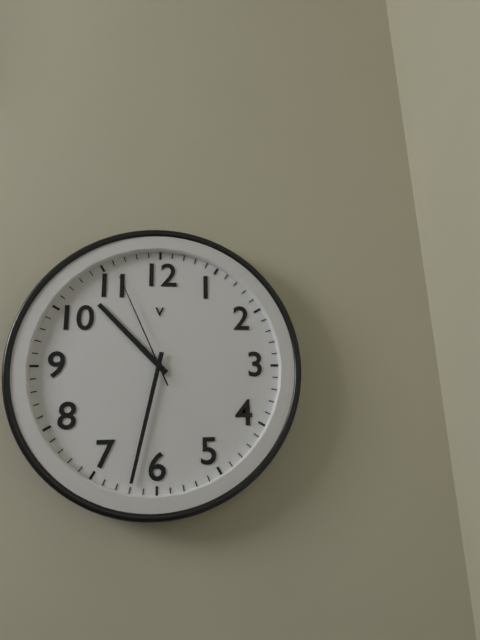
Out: 10h32m56s
